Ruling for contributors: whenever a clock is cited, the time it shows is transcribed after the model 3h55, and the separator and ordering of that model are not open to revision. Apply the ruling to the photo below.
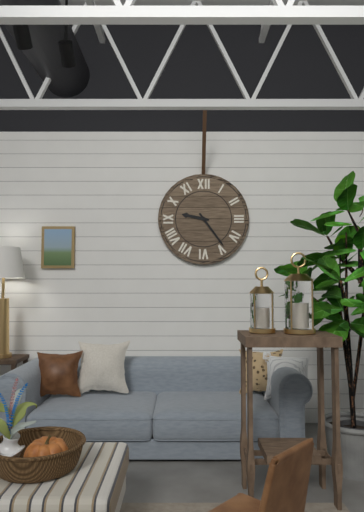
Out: 9h24
